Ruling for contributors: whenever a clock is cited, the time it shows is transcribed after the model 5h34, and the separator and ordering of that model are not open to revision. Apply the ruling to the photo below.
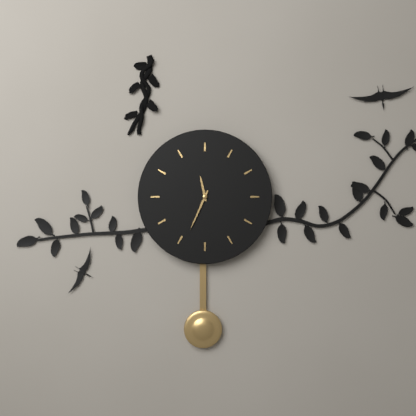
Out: 11h34
